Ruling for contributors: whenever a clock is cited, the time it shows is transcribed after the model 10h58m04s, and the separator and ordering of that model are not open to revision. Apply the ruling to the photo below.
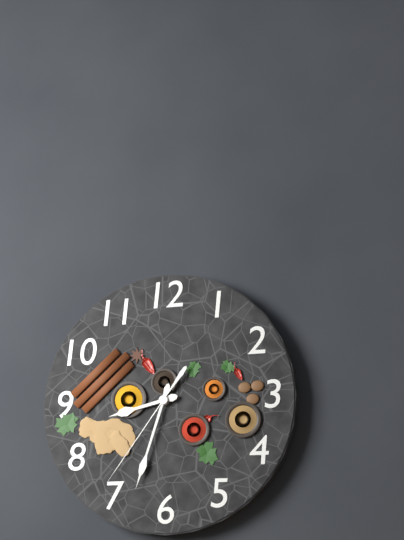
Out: 8h33m36s
